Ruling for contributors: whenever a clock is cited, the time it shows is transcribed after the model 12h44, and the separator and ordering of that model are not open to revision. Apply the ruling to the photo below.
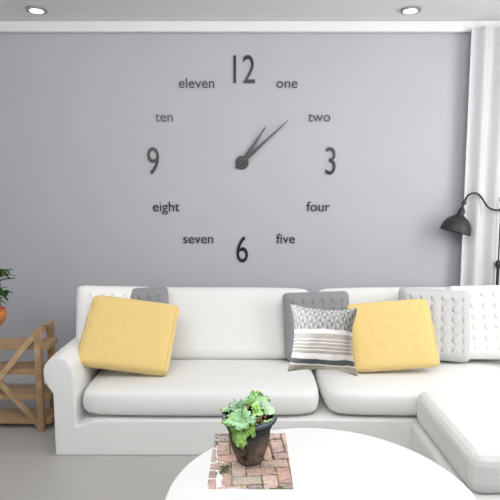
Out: 1h08
